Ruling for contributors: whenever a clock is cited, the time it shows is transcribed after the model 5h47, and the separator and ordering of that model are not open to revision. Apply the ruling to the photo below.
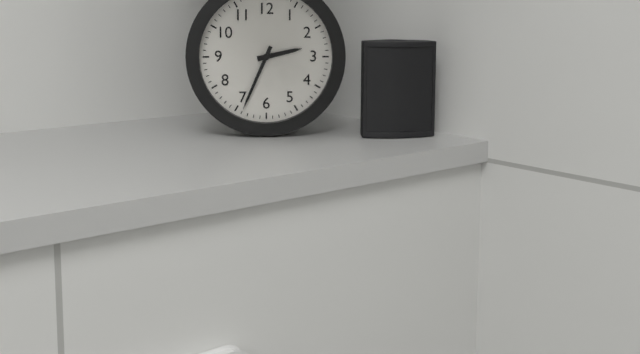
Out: 2h34
